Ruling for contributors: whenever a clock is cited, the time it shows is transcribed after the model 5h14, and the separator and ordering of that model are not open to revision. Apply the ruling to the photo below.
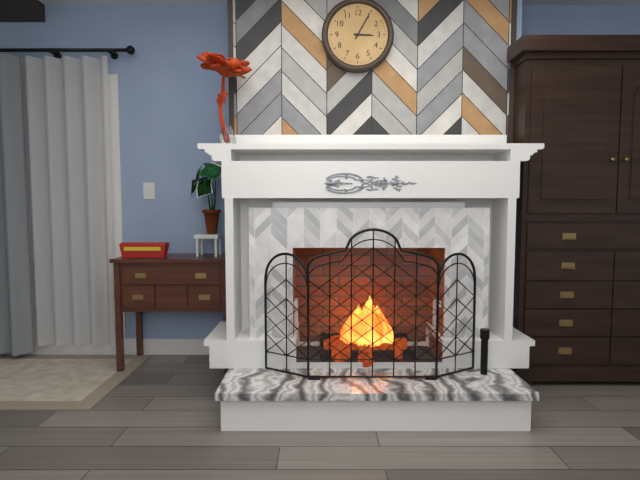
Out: 3h05
